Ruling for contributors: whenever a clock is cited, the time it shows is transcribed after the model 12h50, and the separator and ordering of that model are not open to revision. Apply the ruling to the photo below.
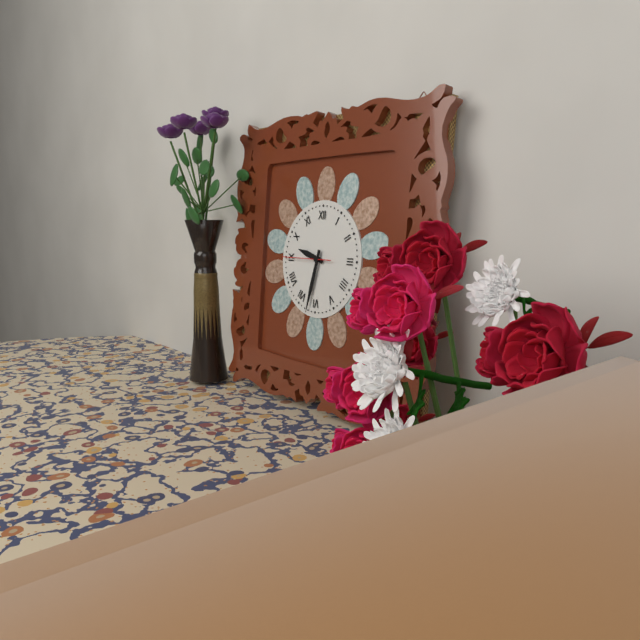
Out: 9h32
